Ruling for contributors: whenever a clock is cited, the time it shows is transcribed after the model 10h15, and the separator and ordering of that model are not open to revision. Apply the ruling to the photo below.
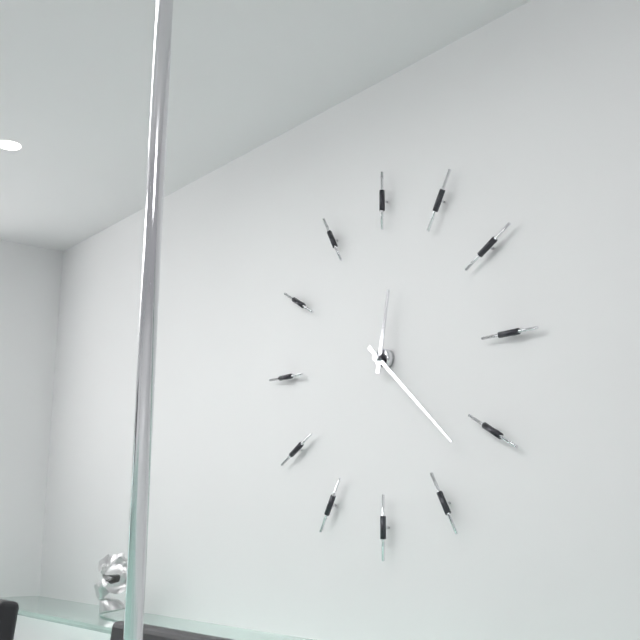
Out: 12h22
